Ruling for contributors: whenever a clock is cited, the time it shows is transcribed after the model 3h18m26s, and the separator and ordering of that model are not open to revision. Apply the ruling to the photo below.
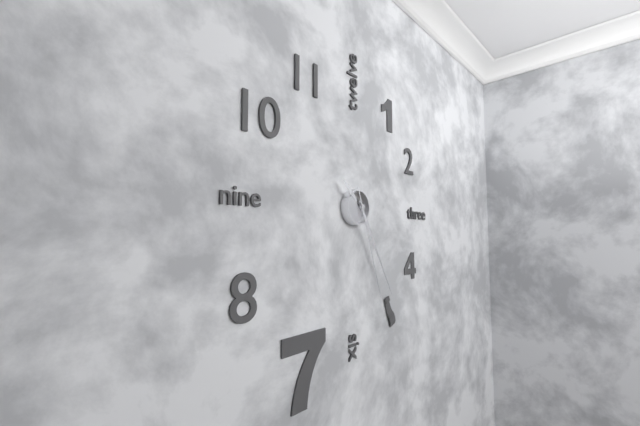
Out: 10h25m27s
